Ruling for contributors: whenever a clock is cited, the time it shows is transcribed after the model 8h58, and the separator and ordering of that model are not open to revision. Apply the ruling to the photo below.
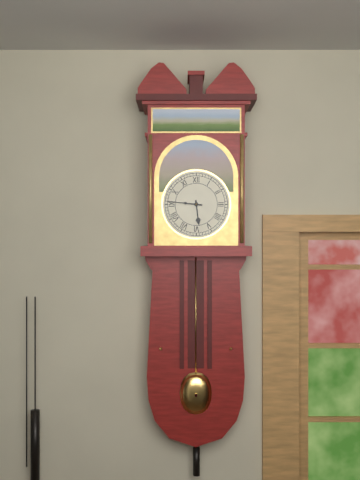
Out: 5h46
